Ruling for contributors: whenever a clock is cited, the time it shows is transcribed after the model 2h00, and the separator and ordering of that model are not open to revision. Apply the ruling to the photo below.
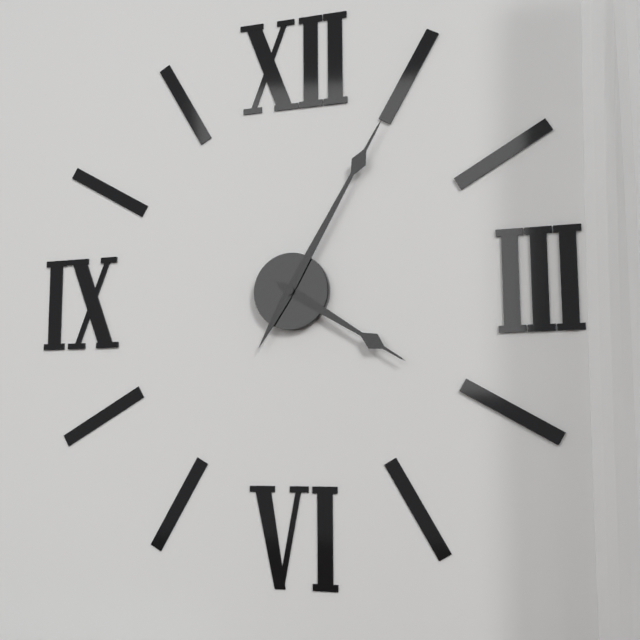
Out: 4h05
